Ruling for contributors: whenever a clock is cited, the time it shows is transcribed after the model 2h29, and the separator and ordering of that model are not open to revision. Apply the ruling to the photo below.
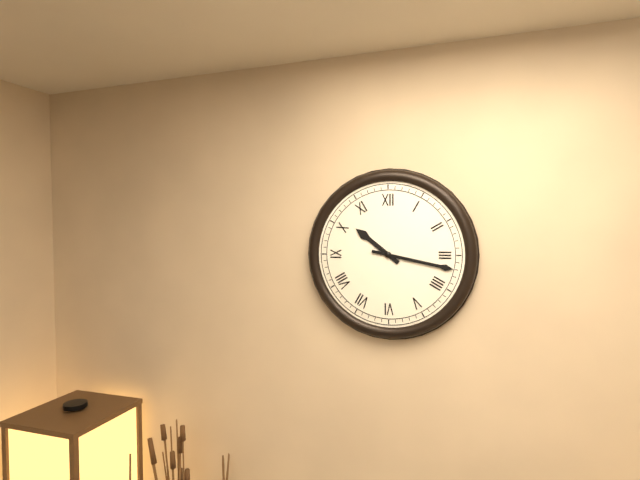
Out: 10h17
